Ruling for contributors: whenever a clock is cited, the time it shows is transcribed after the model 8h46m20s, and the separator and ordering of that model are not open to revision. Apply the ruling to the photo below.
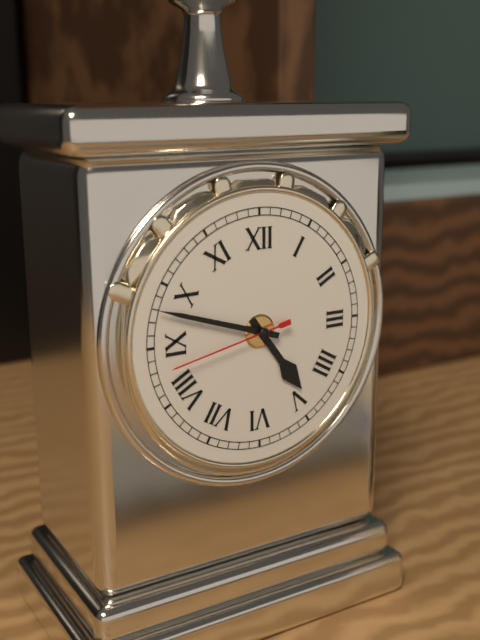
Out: 4h48m43s
